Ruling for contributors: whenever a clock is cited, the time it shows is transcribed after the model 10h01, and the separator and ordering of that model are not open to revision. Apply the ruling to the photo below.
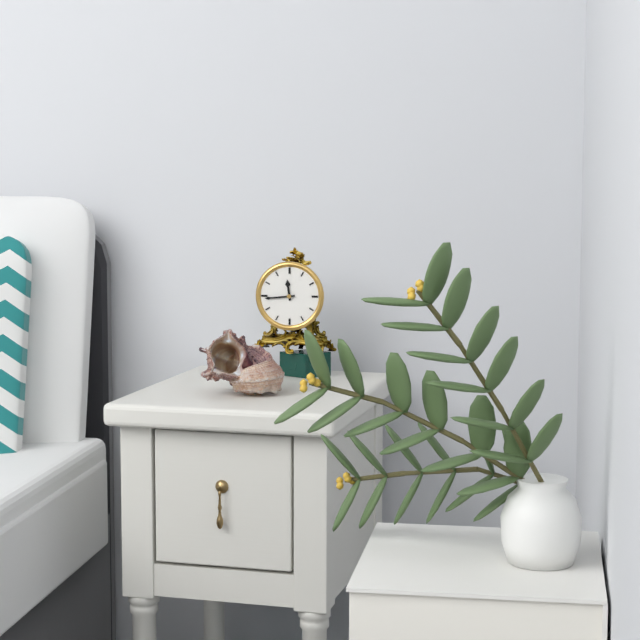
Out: 11h44
